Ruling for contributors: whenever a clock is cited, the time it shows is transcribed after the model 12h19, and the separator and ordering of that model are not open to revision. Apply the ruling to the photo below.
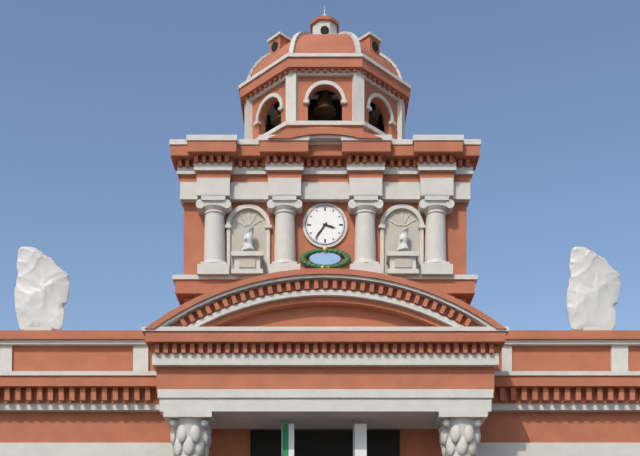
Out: 3h36
